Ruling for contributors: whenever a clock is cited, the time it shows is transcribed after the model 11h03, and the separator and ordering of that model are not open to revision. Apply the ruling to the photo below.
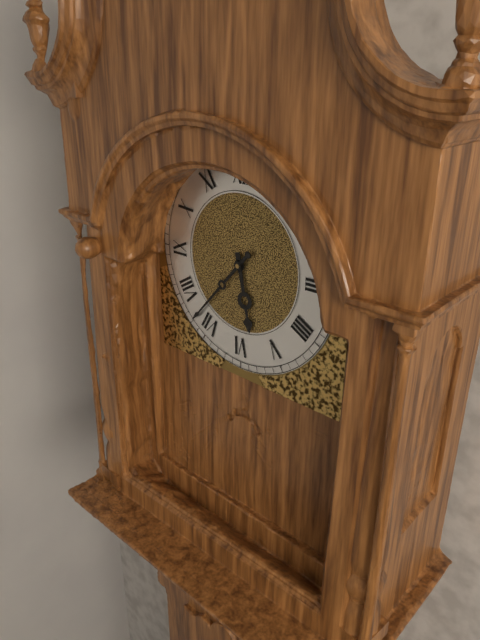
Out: 5h37
